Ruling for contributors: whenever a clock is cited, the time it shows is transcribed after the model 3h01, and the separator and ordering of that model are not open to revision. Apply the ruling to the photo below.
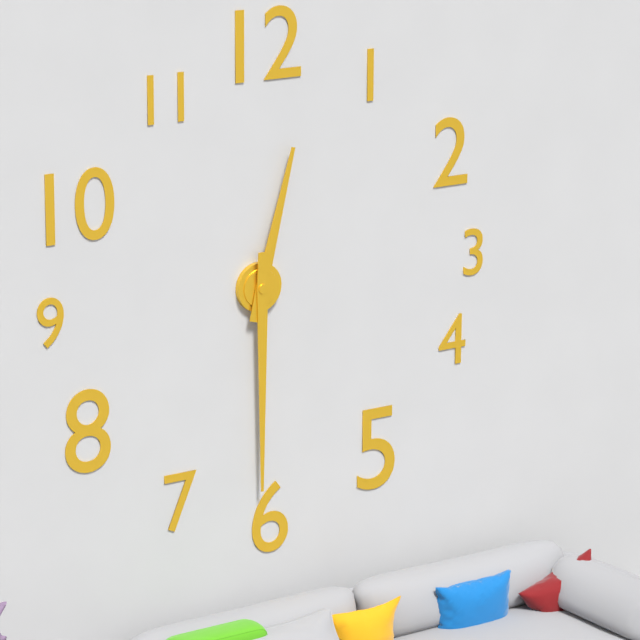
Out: 12h30
